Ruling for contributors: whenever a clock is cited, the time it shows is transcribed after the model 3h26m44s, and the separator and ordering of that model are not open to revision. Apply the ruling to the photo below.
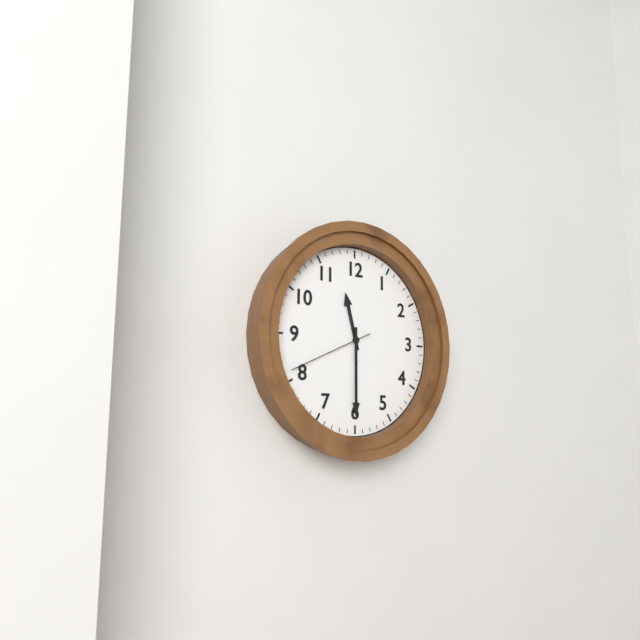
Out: 11h30m41s
